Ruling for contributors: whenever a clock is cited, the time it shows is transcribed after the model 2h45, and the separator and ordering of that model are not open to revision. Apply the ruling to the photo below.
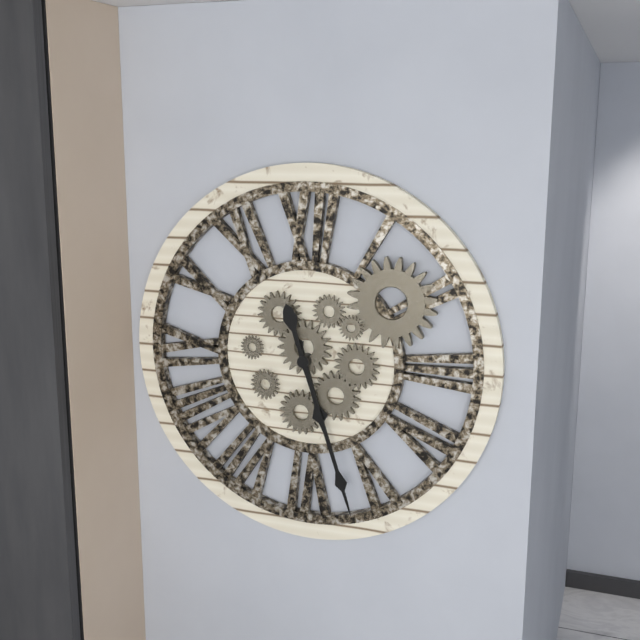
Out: 5h27
